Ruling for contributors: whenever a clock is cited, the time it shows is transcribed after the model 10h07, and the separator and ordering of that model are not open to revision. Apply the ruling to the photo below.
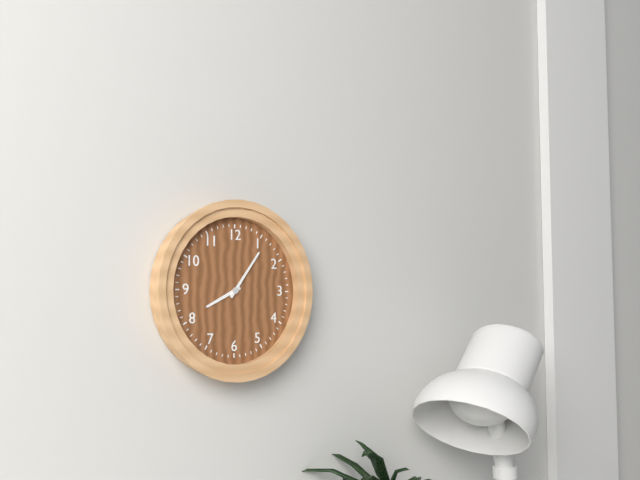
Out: 8h06
